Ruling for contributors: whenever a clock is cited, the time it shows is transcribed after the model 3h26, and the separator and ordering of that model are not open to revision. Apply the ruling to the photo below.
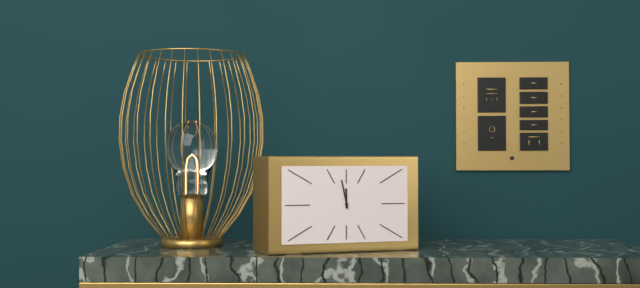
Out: 11h58
